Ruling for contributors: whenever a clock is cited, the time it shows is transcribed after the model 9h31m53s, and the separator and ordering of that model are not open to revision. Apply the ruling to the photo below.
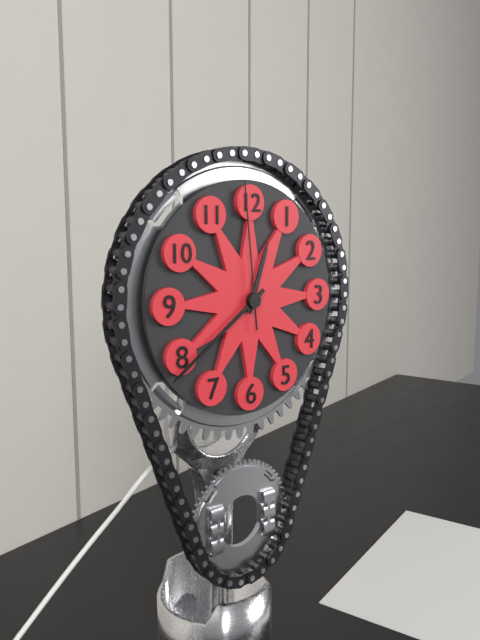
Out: 12h39m59s
